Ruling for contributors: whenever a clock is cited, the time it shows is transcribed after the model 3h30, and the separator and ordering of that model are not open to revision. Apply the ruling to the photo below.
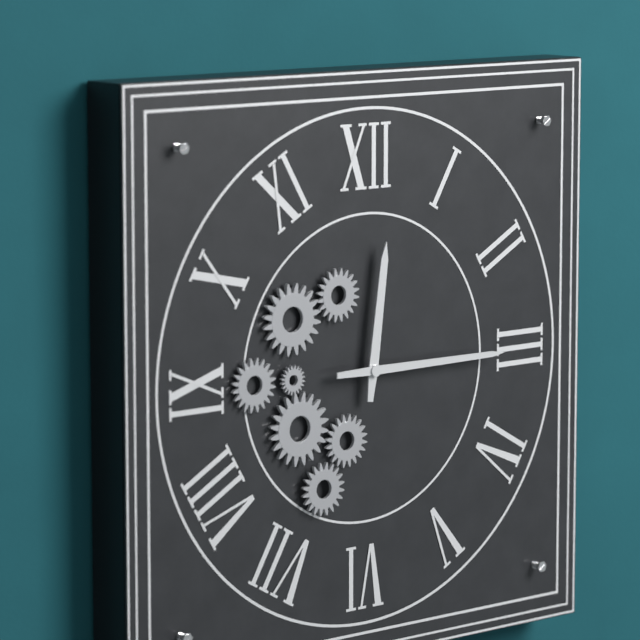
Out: 12h15
